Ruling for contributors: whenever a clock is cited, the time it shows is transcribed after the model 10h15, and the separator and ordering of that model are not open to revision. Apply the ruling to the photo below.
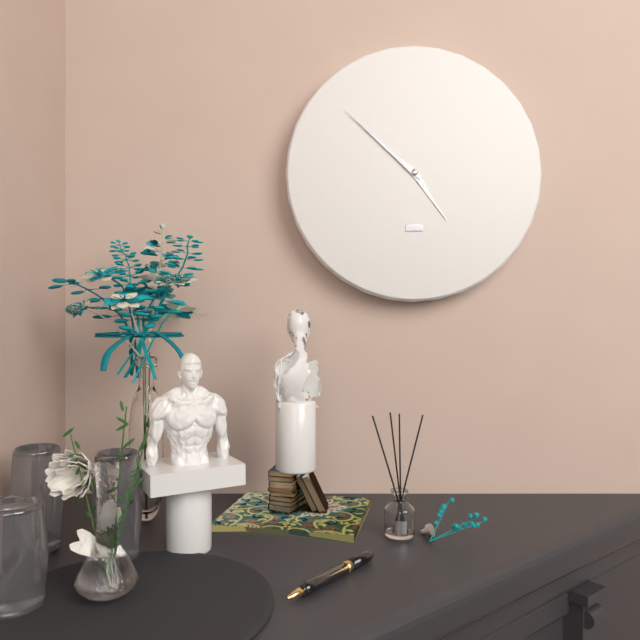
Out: 4h52
